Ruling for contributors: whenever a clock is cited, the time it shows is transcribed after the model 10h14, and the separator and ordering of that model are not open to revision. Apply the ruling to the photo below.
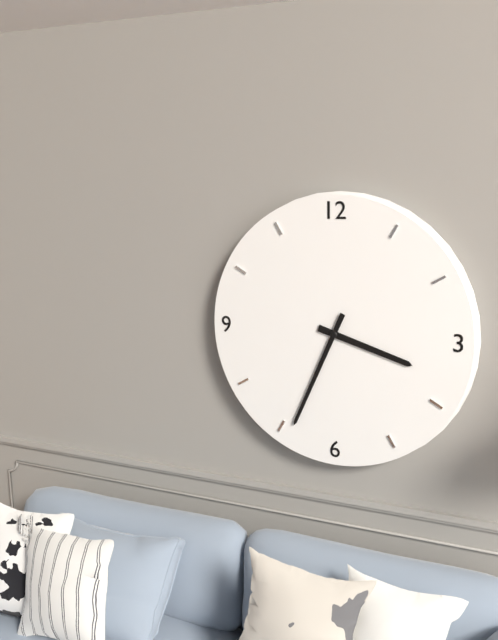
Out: 3h34
